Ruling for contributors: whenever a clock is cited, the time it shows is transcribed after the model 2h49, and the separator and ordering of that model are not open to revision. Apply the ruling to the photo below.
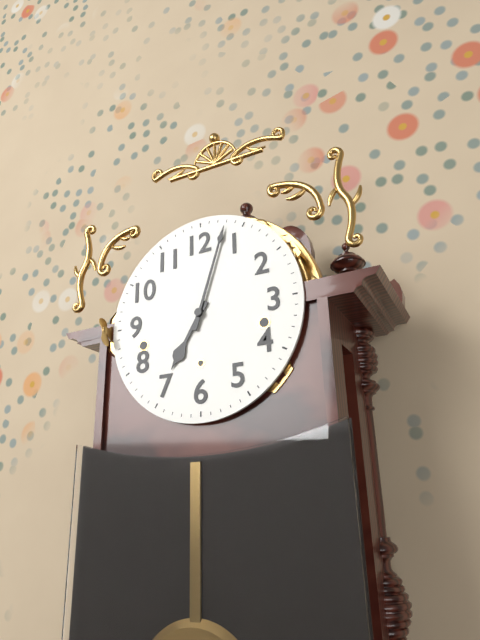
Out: 7h03
